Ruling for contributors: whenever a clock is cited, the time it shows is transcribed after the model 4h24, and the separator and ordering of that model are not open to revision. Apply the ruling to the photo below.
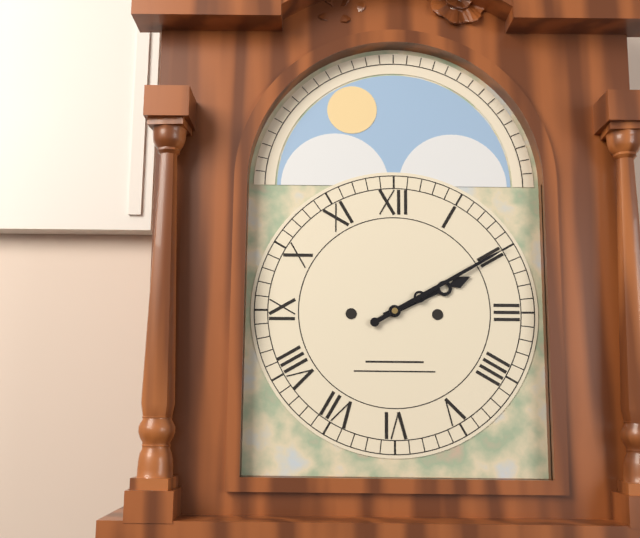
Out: 2h10
